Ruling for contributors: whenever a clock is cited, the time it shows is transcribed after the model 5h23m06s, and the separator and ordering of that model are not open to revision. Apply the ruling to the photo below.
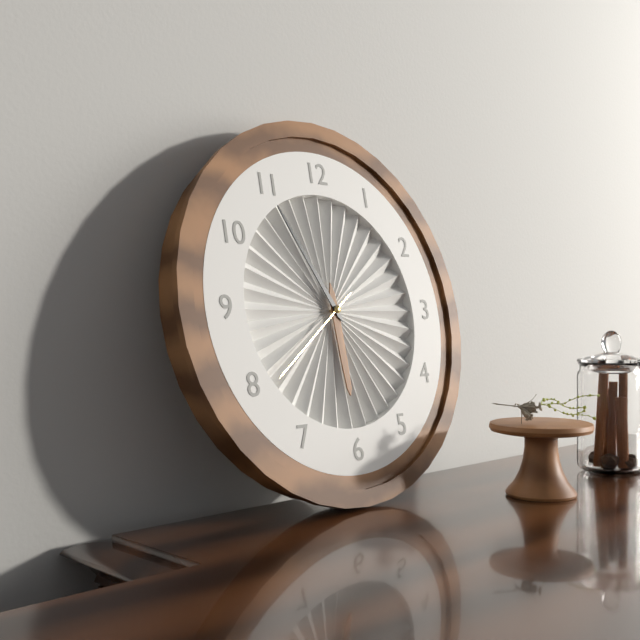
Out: 5h55m39s
